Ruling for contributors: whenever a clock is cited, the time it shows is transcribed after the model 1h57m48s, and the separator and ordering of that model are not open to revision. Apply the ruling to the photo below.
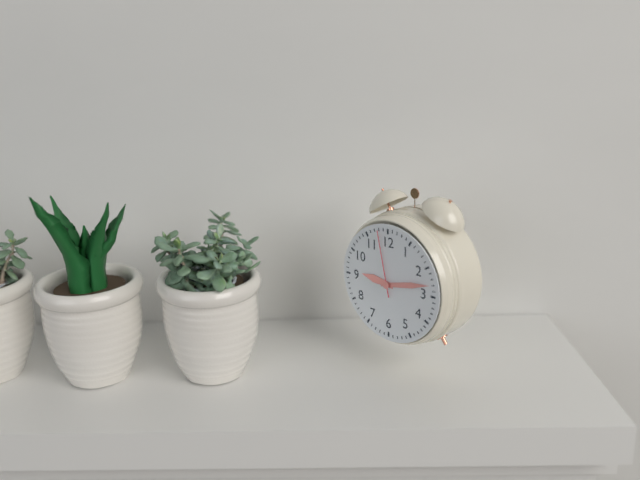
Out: 9h13m58s
